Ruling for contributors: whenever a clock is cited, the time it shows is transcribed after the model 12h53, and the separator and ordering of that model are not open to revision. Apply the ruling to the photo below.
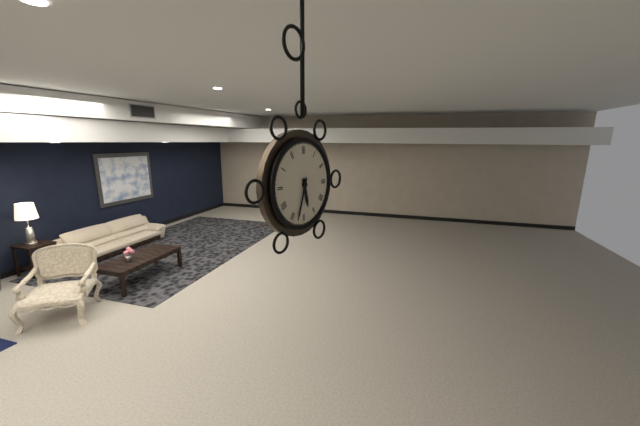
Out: 5h33
